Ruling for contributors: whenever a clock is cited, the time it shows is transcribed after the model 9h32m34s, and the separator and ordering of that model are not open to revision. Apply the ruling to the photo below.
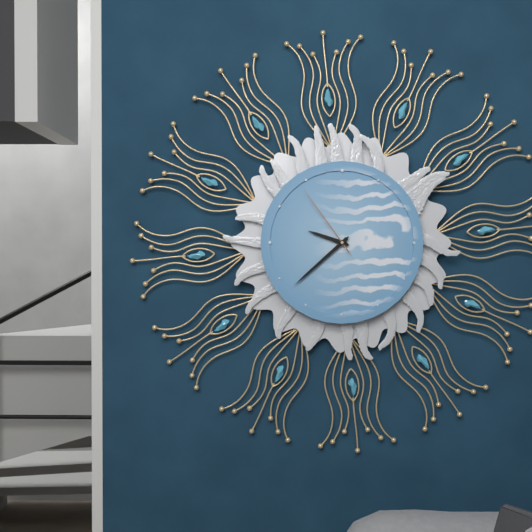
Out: 9h38m54s
